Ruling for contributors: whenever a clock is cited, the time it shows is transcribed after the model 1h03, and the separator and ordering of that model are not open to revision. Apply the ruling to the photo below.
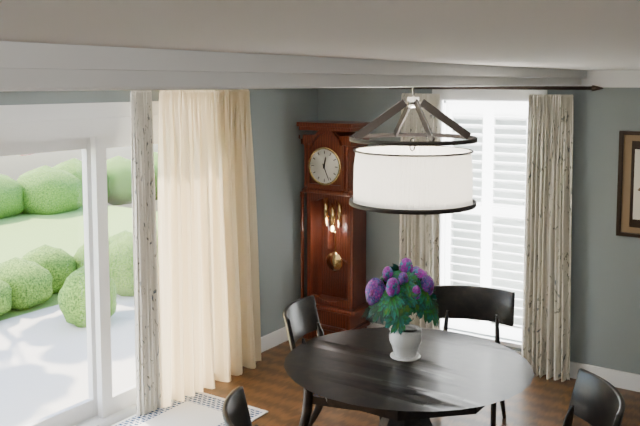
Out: 12h26
